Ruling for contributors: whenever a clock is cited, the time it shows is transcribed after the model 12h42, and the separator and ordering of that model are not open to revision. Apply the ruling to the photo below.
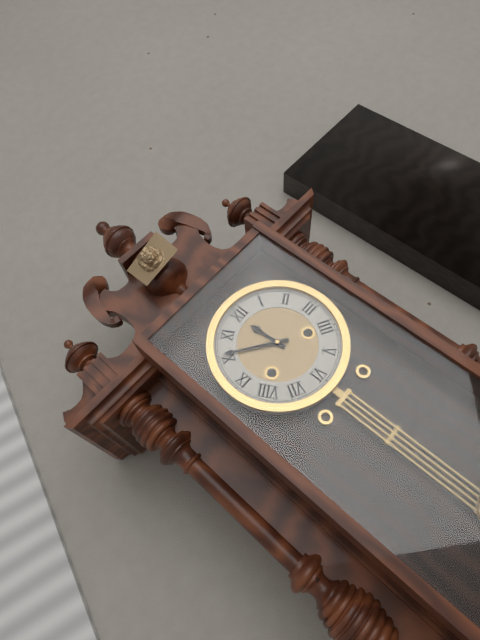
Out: 11h51
